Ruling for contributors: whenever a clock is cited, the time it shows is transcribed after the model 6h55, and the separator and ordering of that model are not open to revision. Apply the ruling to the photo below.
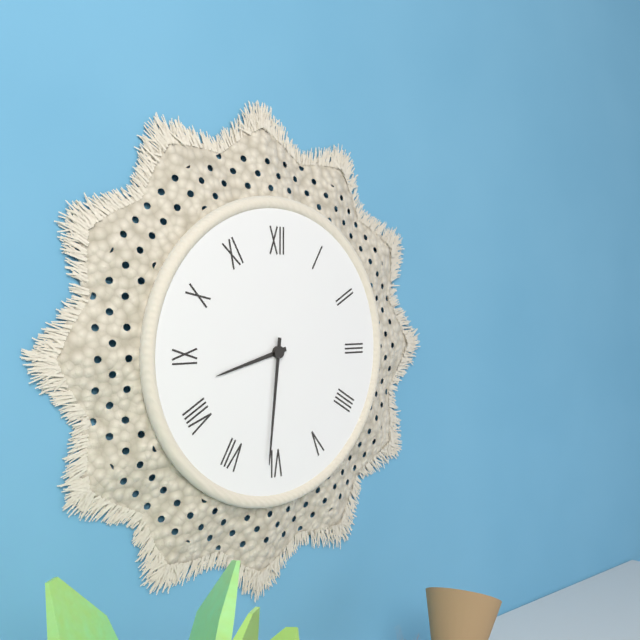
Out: 8h31
